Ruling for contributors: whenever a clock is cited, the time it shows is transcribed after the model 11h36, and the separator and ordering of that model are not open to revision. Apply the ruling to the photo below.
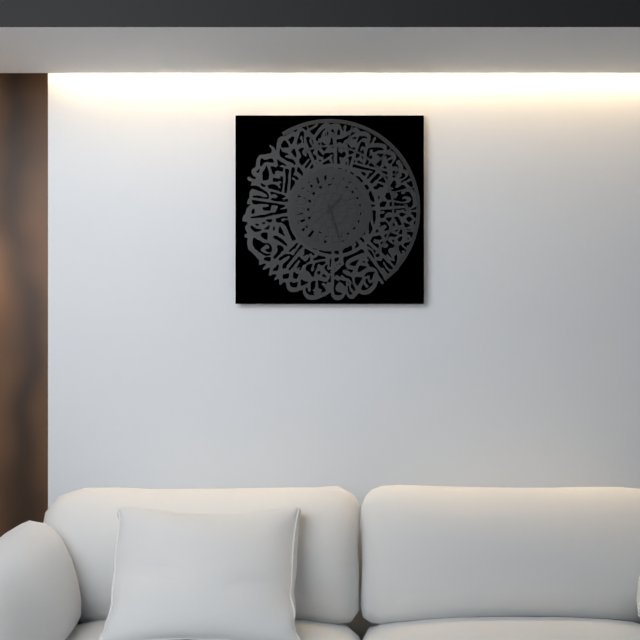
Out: 1h27
